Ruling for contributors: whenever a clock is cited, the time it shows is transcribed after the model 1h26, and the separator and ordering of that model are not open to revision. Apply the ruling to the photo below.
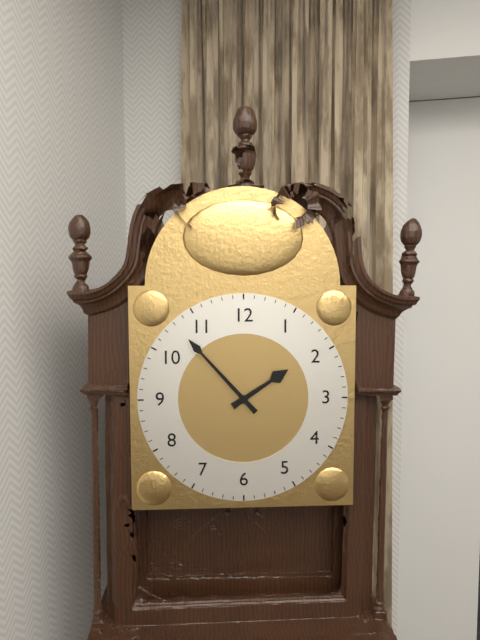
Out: 1h53
